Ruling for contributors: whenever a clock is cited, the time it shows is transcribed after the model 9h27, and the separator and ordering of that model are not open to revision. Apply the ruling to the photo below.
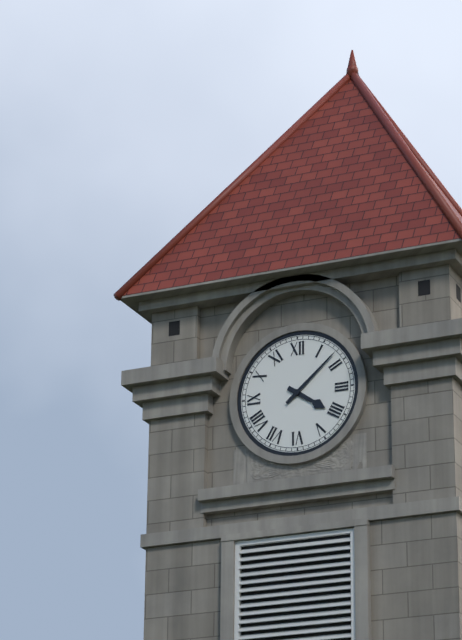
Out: 4h08
